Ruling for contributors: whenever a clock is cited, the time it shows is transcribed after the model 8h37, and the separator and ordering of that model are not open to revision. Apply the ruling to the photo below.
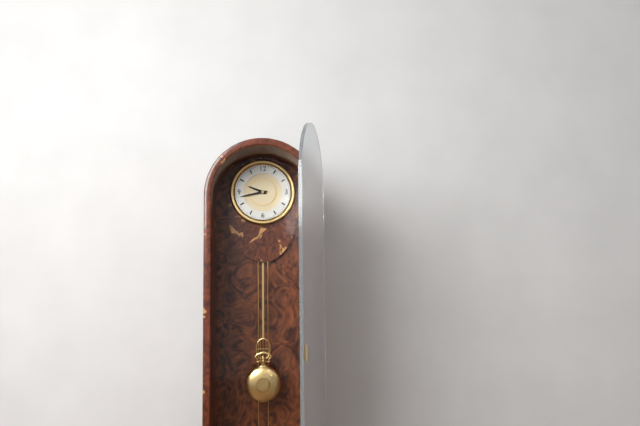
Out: 9h43
